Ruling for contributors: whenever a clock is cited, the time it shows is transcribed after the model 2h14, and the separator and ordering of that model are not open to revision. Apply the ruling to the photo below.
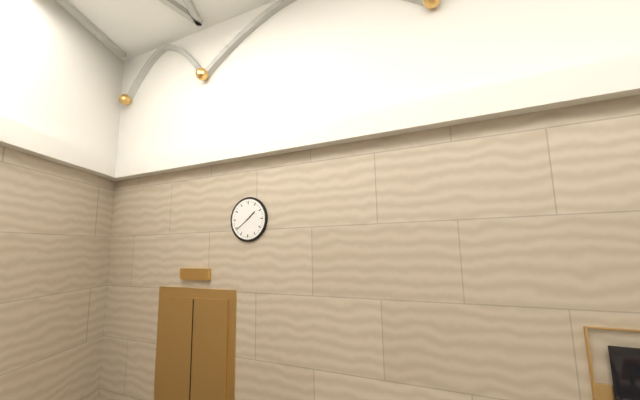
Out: 1h39
